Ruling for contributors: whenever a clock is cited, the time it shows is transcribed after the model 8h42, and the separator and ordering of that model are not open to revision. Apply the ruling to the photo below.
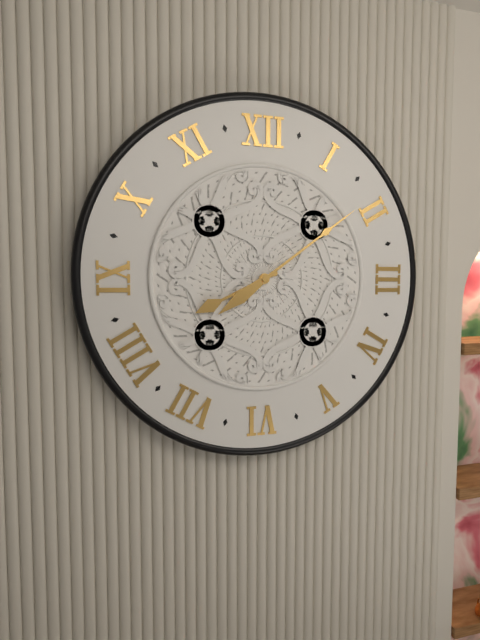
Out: 8h09
